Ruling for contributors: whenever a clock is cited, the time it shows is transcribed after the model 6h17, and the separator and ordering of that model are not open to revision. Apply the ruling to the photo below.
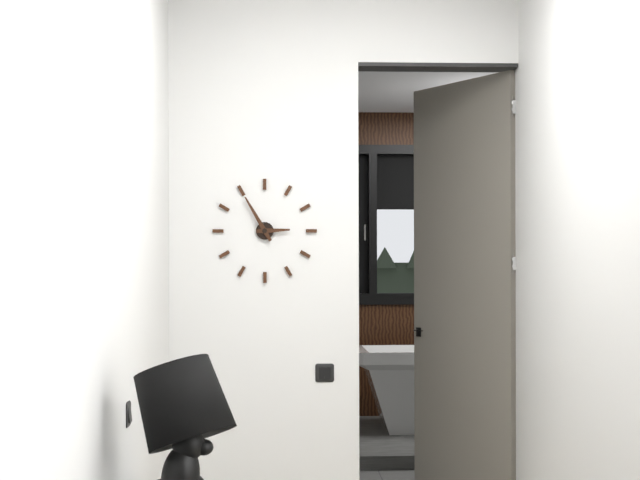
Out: 2h55
